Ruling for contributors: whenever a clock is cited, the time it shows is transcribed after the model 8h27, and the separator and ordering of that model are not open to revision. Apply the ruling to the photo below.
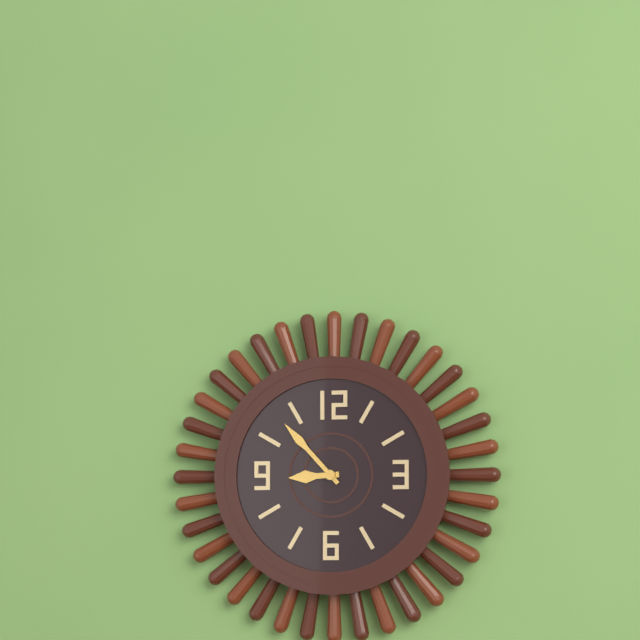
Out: 8h53
